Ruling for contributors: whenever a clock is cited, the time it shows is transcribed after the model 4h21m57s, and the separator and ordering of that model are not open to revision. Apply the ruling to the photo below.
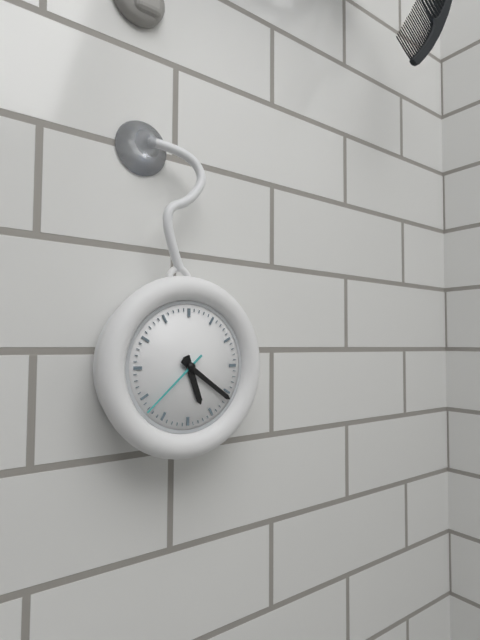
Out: 5h21m38s
